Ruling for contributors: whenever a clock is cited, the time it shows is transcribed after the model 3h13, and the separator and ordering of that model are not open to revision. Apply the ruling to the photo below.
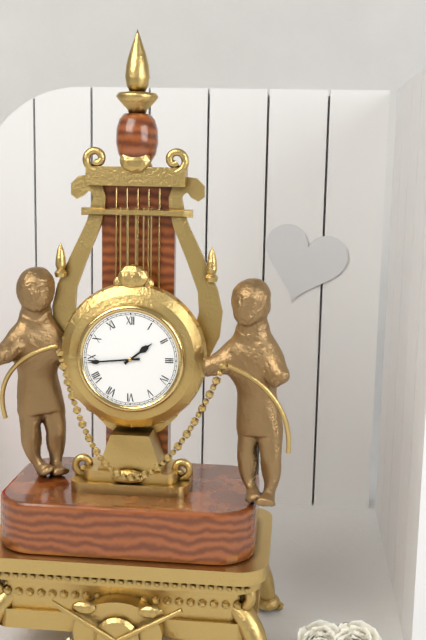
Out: 1h44
